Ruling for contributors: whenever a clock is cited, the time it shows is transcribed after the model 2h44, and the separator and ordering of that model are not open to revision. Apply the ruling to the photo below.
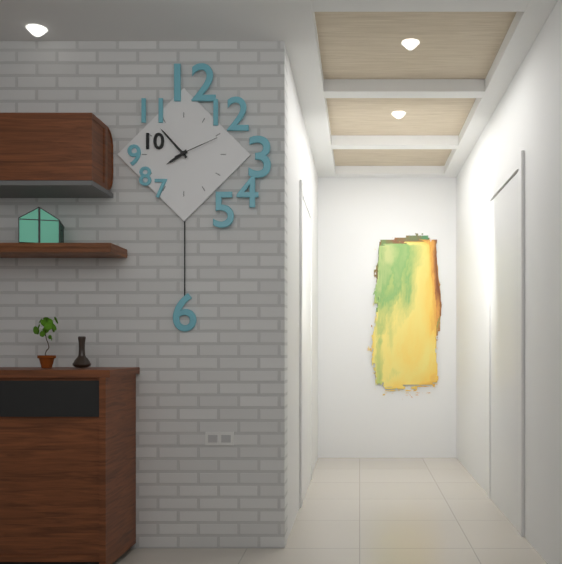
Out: 7h53
